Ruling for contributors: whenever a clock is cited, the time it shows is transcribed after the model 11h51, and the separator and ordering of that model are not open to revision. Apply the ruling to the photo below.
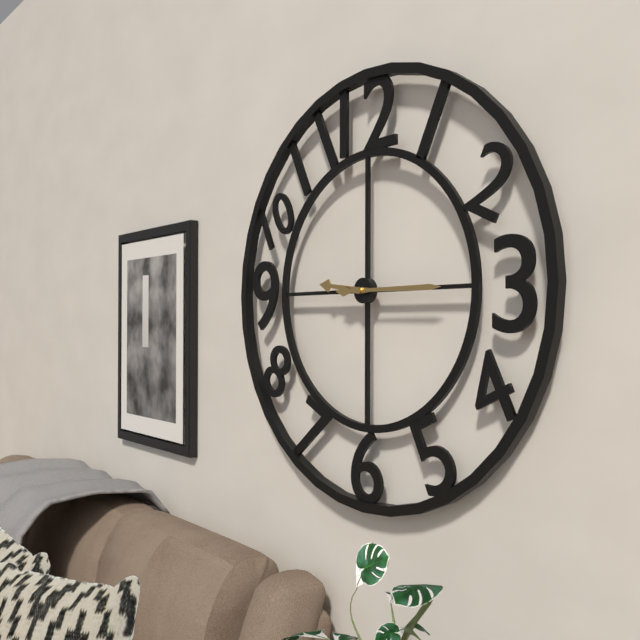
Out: 9h15
